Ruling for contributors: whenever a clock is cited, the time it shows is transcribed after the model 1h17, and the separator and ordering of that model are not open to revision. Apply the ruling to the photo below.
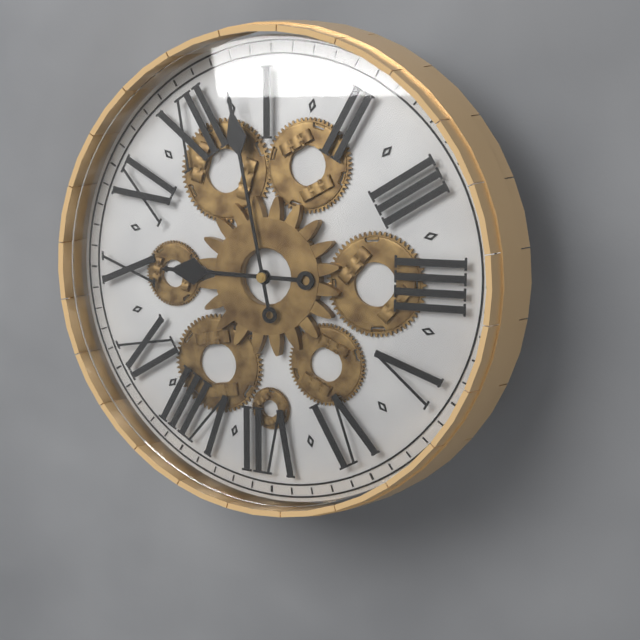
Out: 10h03
